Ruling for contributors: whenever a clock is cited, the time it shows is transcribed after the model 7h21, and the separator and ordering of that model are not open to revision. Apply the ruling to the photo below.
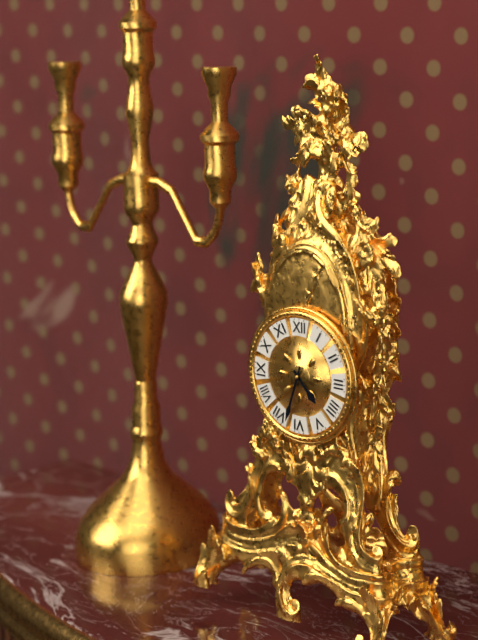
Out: 4h33
